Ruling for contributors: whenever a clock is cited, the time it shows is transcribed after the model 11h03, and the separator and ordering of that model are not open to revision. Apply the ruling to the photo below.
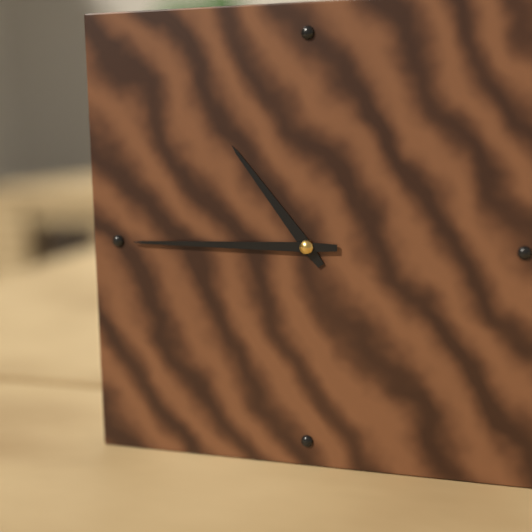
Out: 10h45
